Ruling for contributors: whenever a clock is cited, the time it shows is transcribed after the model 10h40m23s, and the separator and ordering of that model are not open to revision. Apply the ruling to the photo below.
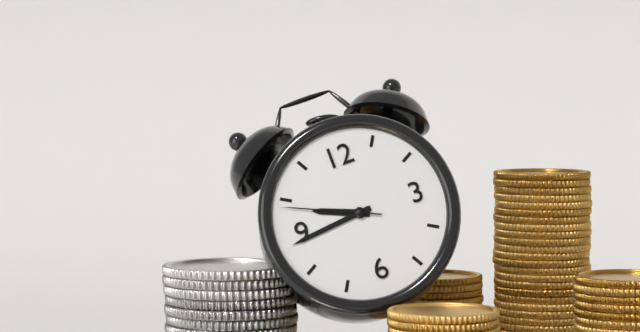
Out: 9h44m49s
